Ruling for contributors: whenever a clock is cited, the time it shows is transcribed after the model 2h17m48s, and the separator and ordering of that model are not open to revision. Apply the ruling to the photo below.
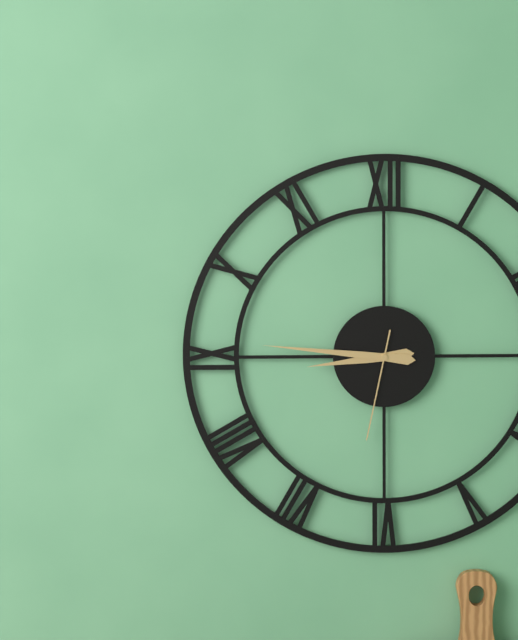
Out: 8h46m32s
